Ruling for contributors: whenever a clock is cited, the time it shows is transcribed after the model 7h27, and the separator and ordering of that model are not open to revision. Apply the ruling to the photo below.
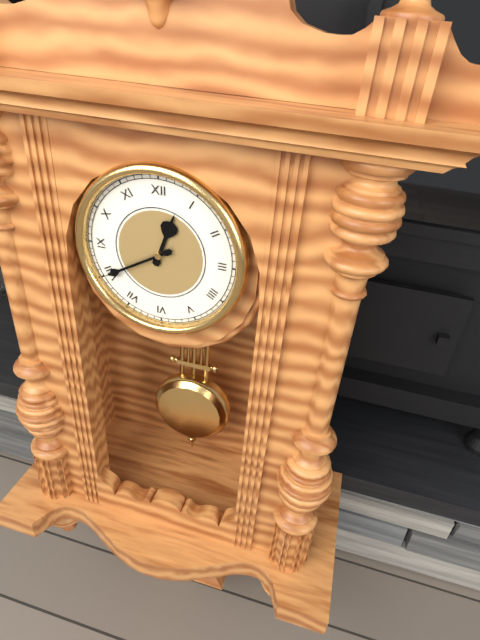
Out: 12h40
